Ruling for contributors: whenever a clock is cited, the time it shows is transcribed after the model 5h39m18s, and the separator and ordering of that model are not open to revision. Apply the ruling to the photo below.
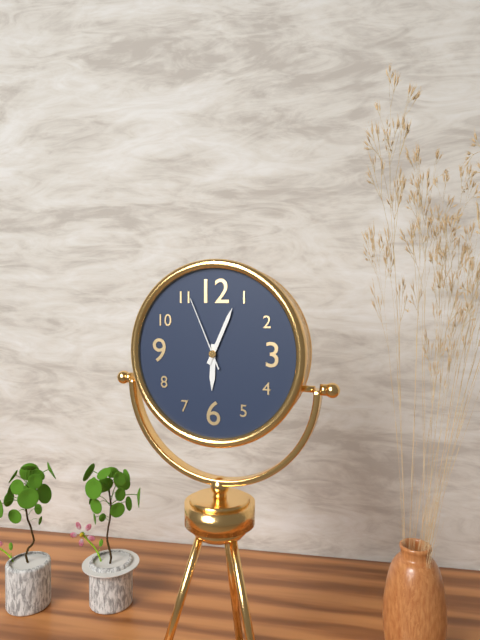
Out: 6h04m56s
